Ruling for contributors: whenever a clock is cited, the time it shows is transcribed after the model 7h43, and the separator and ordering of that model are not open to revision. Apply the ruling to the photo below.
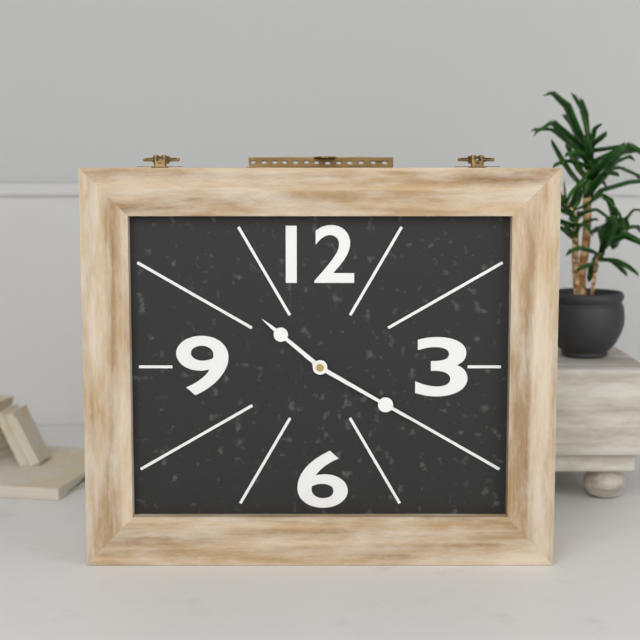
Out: 10h20
